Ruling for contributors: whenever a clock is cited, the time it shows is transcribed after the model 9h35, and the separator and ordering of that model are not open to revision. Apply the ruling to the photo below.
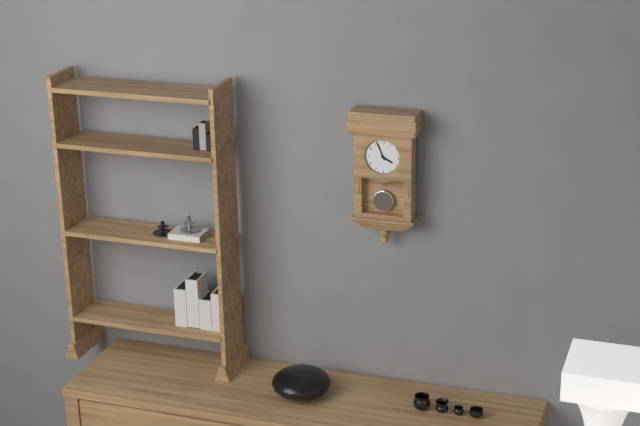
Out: 3h56
